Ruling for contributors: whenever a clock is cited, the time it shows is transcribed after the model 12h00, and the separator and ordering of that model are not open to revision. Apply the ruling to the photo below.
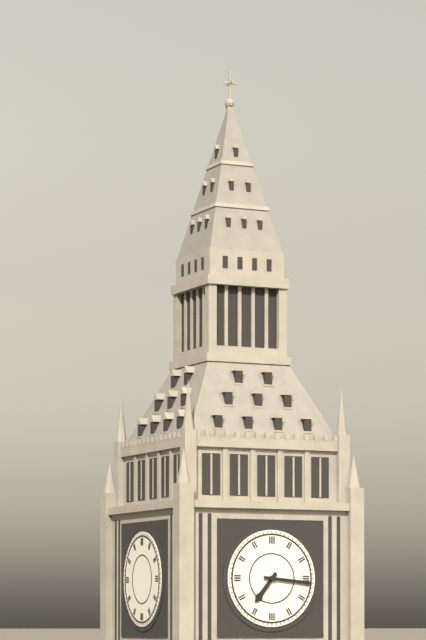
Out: 7h16
